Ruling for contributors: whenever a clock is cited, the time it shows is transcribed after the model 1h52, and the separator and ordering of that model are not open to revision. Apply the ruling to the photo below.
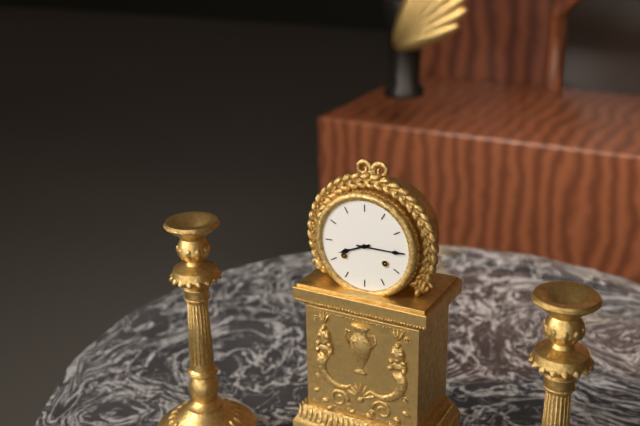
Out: 8h15
